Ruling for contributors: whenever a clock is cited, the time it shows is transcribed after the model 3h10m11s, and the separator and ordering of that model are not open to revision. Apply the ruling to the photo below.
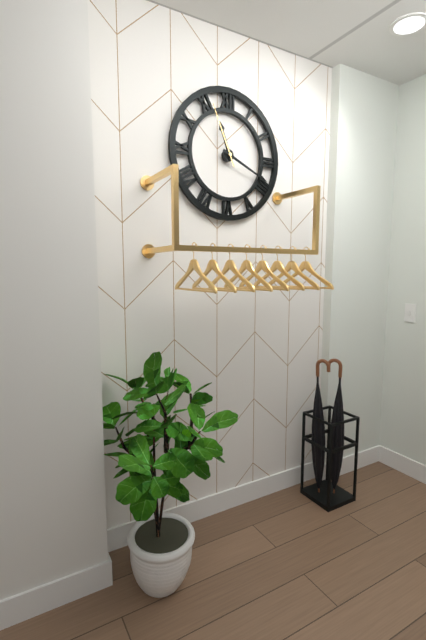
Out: 11h19m56s
